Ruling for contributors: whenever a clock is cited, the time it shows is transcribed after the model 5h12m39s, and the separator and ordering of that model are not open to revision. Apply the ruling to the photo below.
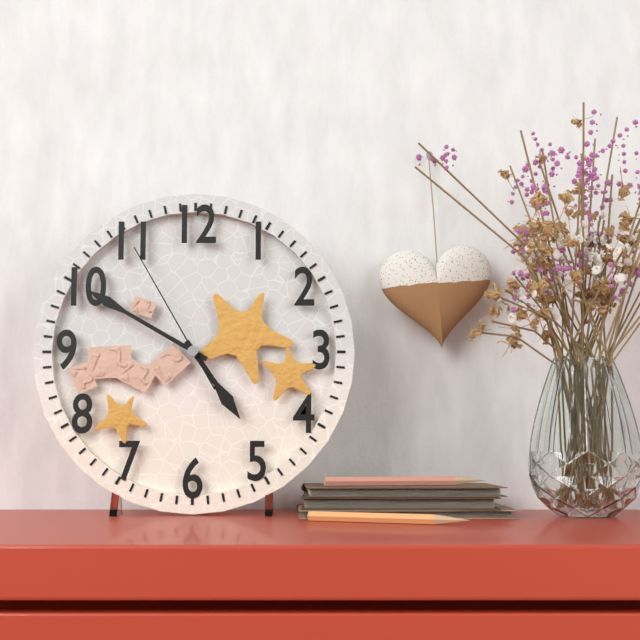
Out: 4h50m55s
